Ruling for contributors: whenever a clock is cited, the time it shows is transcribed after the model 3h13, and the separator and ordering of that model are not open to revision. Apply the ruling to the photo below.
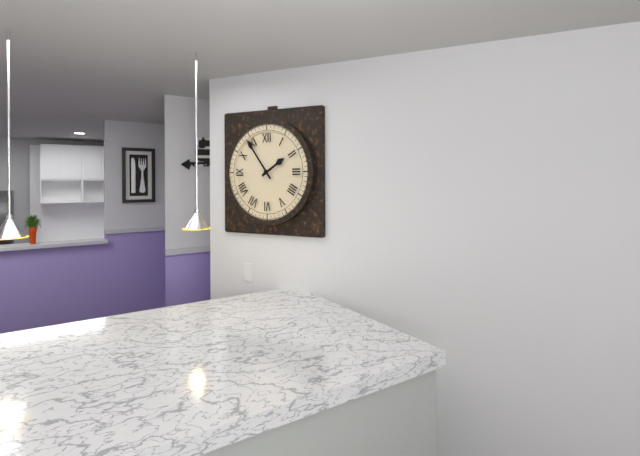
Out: 1h54
